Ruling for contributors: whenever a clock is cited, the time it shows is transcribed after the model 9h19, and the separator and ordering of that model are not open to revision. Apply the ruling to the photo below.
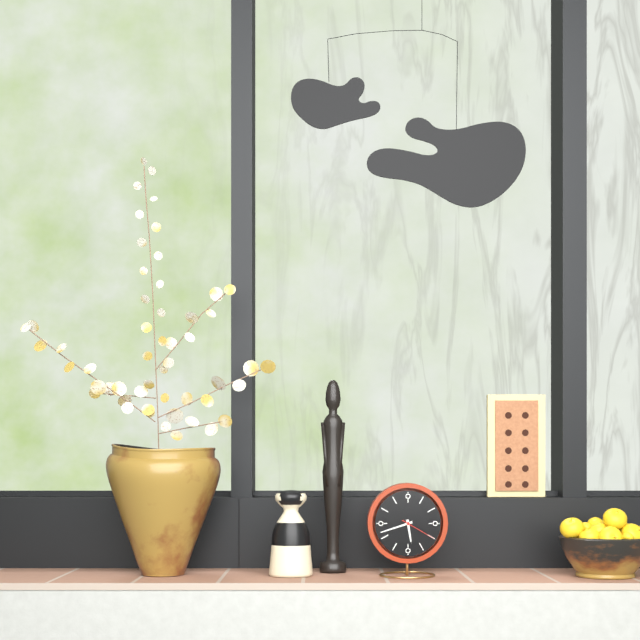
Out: 5h42
